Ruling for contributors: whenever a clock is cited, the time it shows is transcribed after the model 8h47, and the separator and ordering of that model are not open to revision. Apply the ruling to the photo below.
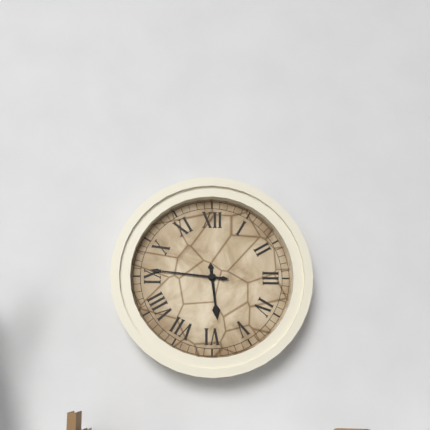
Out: 5h46
